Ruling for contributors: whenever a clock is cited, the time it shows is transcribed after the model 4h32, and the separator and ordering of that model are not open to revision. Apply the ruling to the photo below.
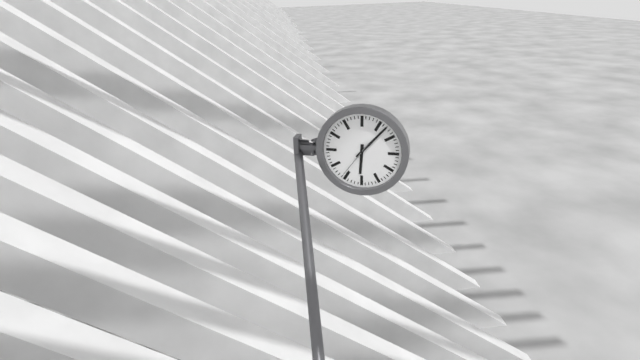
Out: 6h07
